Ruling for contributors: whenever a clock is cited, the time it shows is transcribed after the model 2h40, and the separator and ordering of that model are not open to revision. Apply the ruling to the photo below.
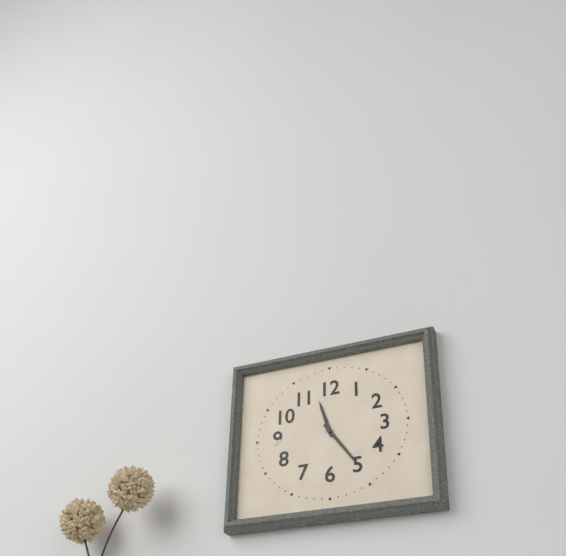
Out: 11h24
